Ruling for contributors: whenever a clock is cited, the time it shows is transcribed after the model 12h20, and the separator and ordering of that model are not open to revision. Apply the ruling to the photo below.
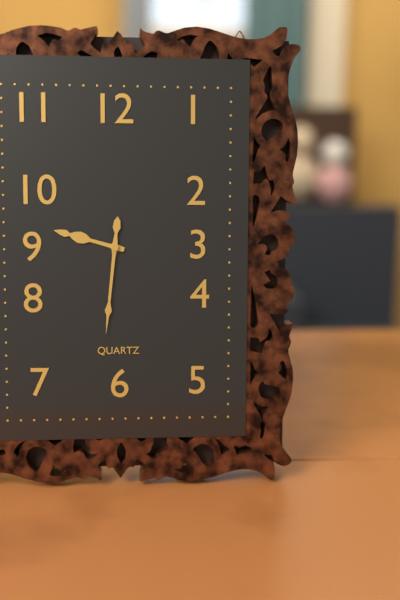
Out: 9h31
